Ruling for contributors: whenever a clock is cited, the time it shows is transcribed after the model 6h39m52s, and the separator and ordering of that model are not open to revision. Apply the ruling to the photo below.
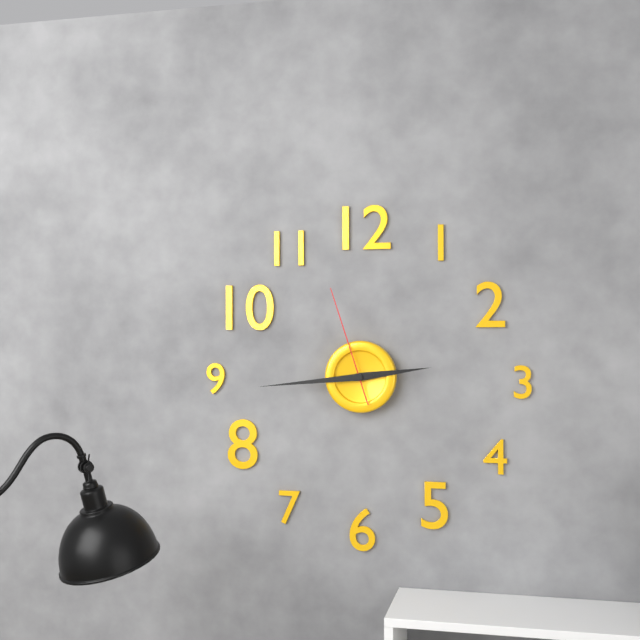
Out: 2h44m57s
